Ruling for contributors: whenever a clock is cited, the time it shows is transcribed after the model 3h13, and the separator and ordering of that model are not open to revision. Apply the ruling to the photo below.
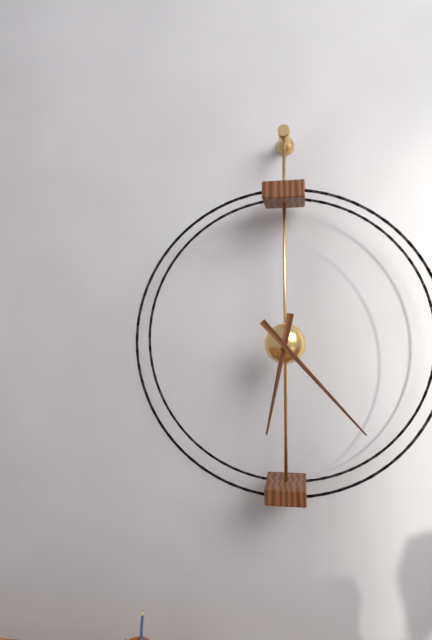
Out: 6h23
